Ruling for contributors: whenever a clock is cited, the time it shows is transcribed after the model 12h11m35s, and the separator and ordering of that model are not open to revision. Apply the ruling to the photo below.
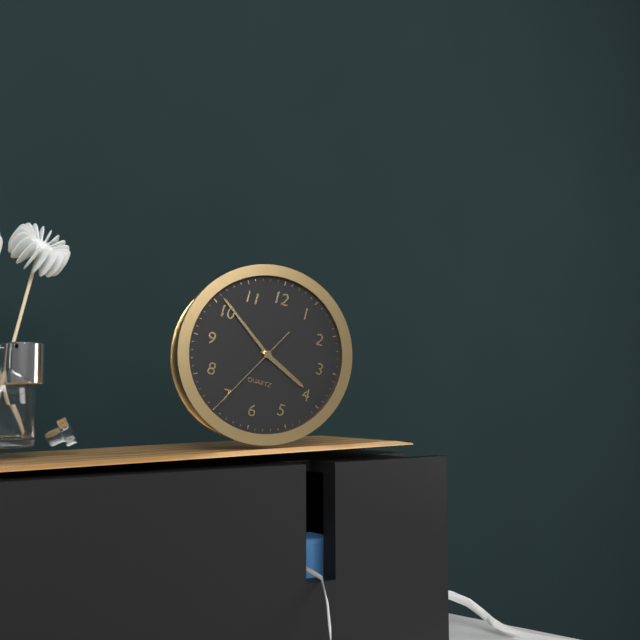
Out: 3h51m35s
